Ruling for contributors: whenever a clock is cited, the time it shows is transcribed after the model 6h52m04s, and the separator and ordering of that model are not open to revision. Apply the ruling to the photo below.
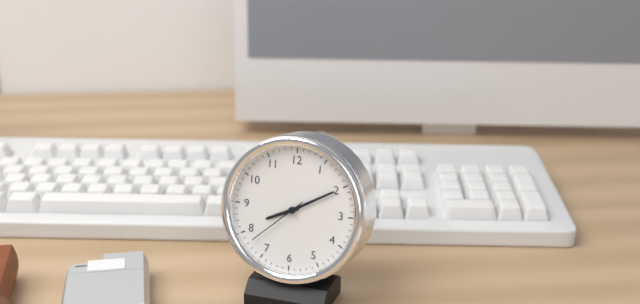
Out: 8h10m38s
